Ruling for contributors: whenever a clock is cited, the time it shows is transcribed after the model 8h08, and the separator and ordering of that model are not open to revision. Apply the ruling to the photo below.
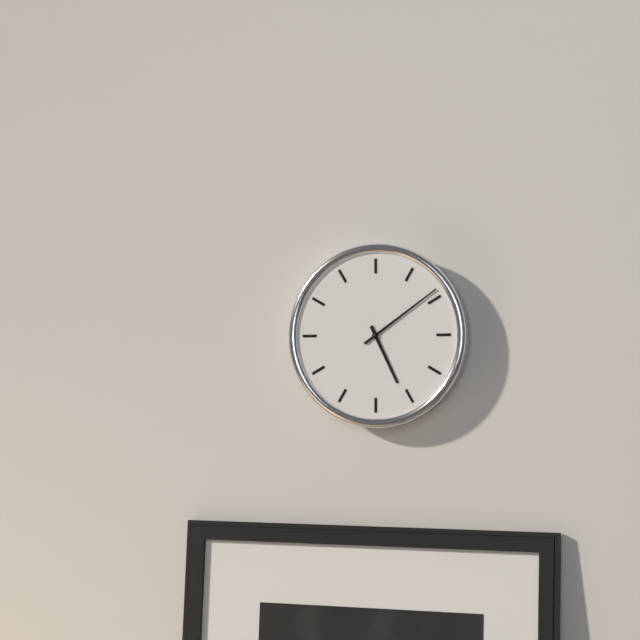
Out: 5h09
